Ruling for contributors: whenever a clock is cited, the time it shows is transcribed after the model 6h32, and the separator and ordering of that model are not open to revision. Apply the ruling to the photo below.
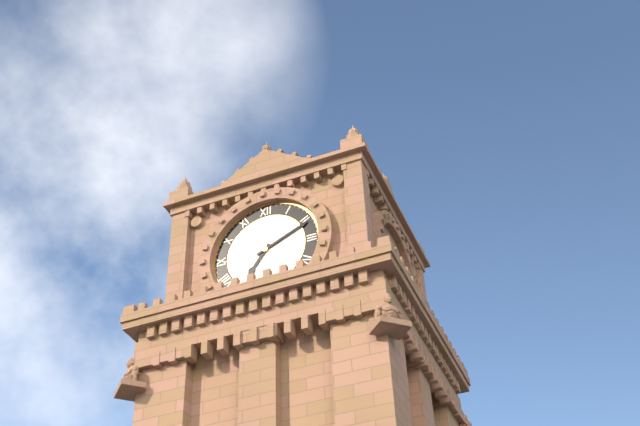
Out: 7h11
